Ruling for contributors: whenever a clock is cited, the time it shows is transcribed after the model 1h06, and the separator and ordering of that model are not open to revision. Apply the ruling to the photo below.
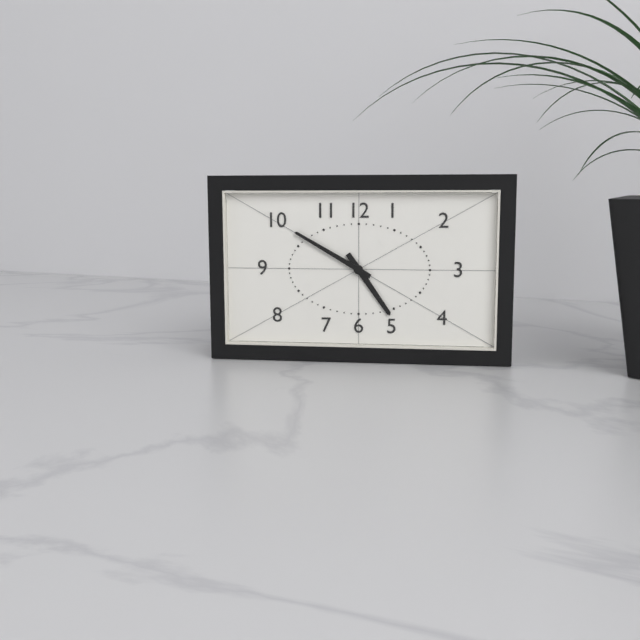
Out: 4h50
